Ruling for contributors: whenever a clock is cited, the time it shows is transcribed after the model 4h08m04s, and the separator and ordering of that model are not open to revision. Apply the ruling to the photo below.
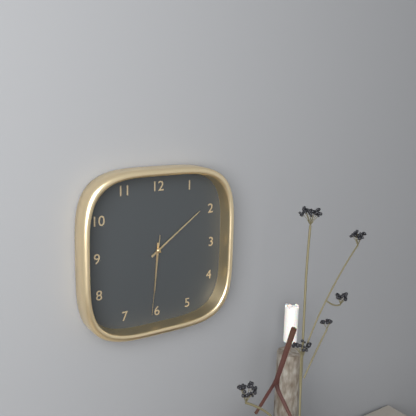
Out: 6h09m31s
